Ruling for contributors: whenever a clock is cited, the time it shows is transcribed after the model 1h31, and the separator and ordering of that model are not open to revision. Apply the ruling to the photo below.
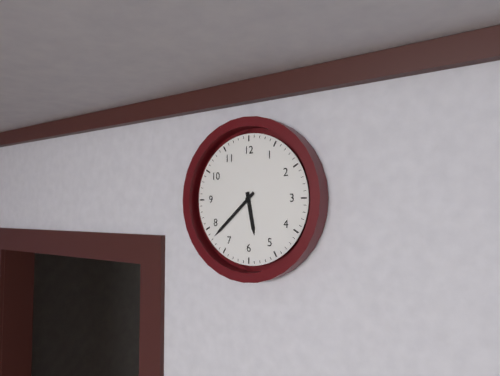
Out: 5h38
